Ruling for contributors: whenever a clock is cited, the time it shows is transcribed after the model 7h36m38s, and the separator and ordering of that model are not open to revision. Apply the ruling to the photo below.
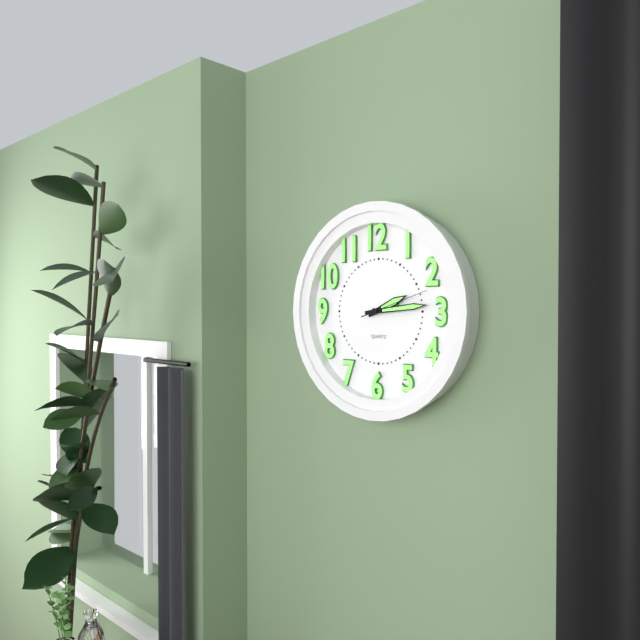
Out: 2h14m12s
